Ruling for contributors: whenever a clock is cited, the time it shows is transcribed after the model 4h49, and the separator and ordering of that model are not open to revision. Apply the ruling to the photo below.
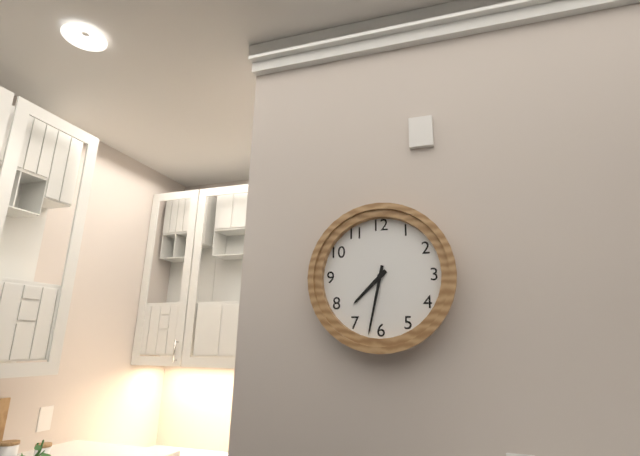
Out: 7h32
